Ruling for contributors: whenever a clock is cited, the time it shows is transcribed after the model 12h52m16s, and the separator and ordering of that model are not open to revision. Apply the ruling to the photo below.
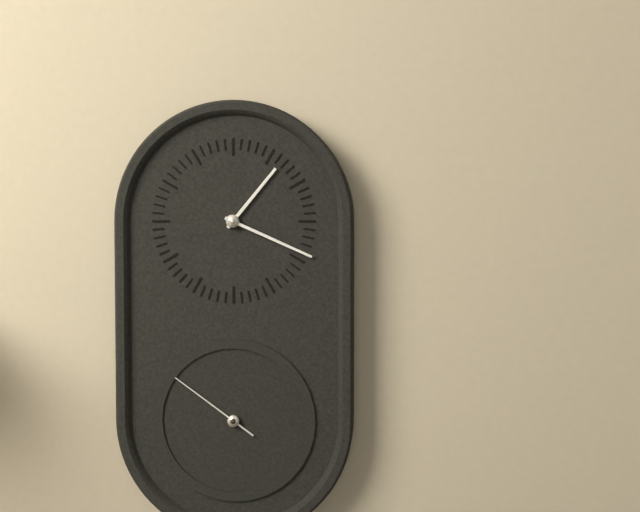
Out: 1h19m51s
